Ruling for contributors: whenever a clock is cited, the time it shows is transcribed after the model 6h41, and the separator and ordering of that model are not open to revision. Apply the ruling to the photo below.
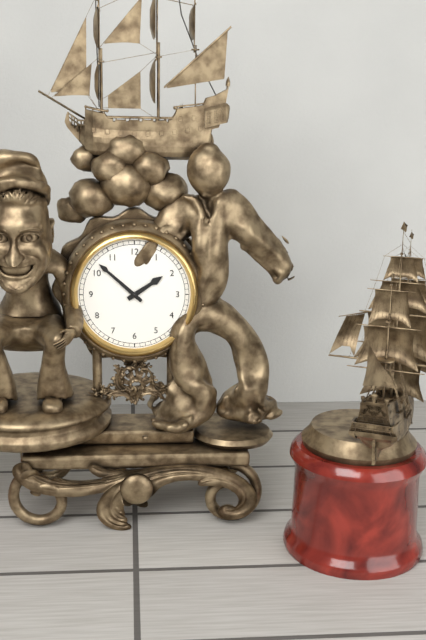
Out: 1h52
